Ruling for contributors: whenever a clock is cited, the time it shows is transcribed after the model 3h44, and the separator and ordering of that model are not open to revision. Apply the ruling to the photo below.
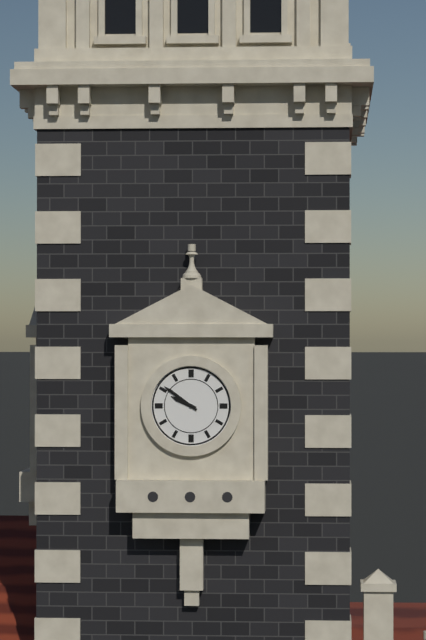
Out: 9h51
